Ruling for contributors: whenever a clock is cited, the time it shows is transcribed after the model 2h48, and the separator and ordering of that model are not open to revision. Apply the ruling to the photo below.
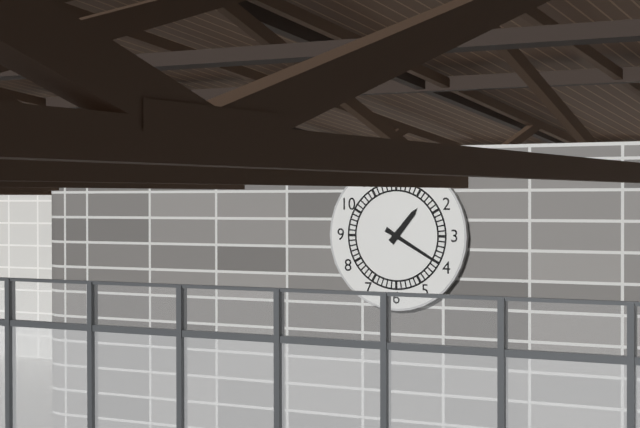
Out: 1h20
